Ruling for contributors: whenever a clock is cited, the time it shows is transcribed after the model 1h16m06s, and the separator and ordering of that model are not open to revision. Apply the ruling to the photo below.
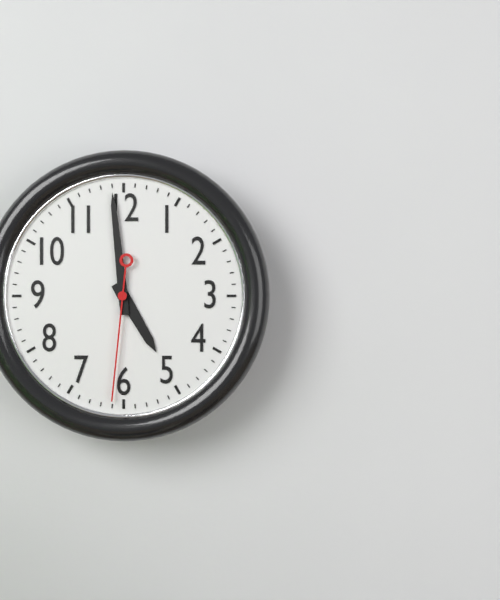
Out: 4h59m31s
